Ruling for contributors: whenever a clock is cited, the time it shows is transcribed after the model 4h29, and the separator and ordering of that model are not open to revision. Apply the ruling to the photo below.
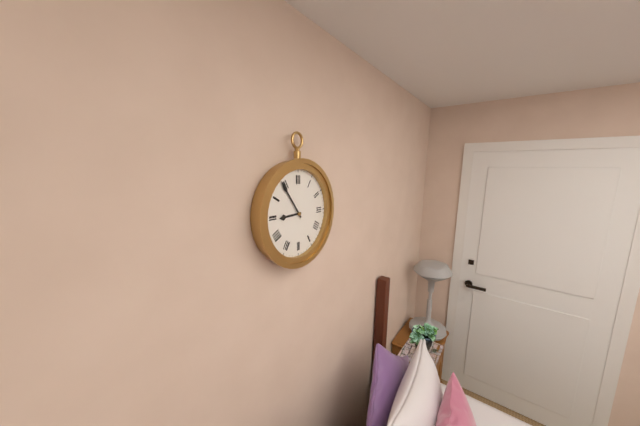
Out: 8h54
